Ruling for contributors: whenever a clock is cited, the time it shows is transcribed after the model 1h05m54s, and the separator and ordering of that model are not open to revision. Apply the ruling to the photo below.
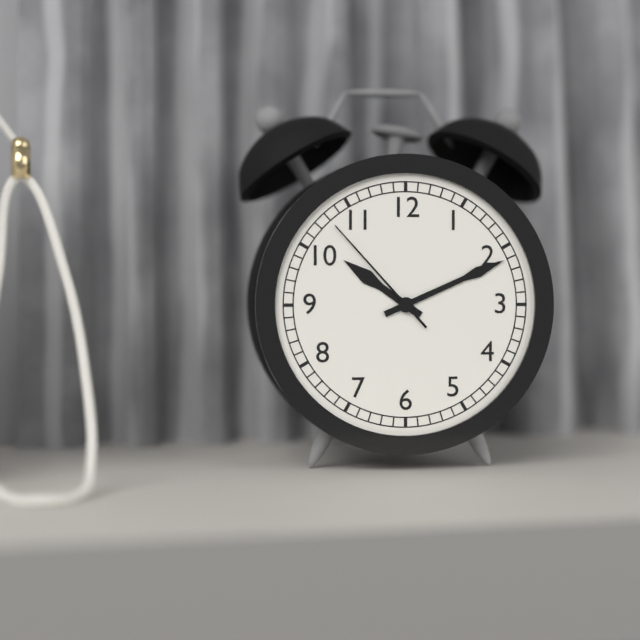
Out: 10h11m53s
